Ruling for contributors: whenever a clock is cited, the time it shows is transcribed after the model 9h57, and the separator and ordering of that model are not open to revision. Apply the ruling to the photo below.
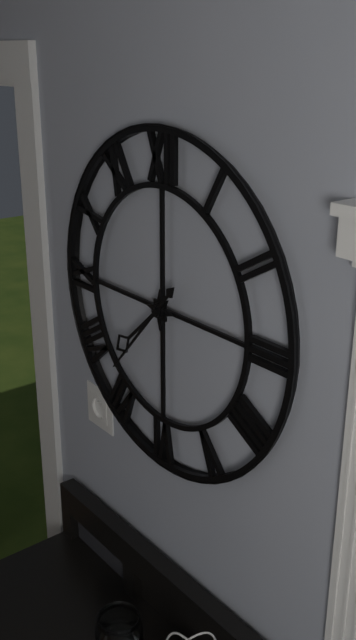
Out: 7h37
